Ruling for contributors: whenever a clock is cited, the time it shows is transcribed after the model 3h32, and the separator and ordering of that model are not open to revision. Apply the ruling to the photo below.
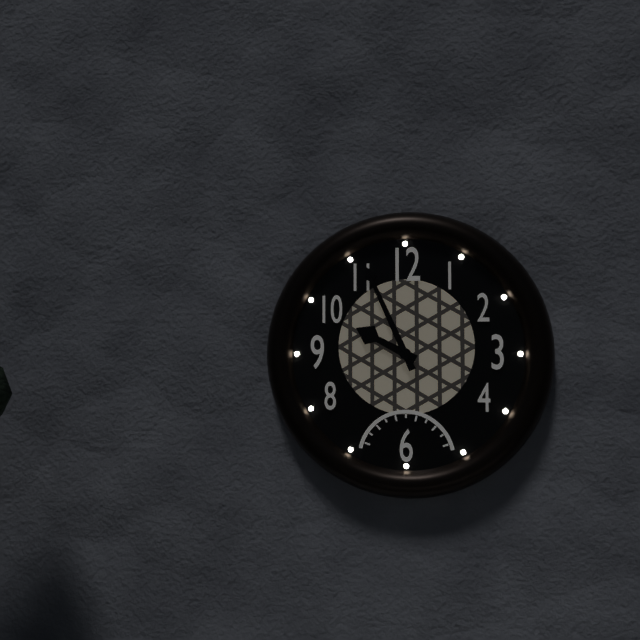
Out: 9h56
